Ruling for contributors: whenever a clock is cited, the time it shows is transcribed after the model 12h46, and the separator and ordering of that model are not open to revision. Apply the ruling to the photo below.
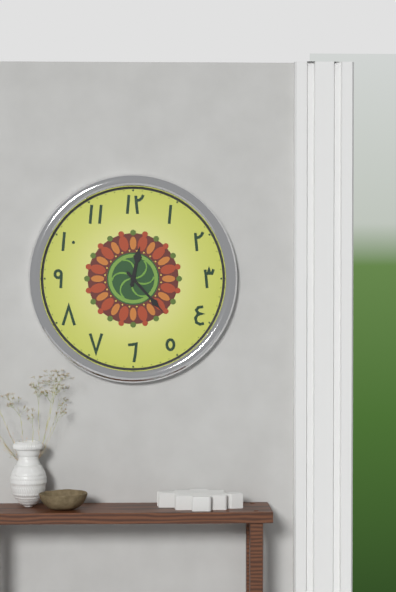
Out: 12h23
